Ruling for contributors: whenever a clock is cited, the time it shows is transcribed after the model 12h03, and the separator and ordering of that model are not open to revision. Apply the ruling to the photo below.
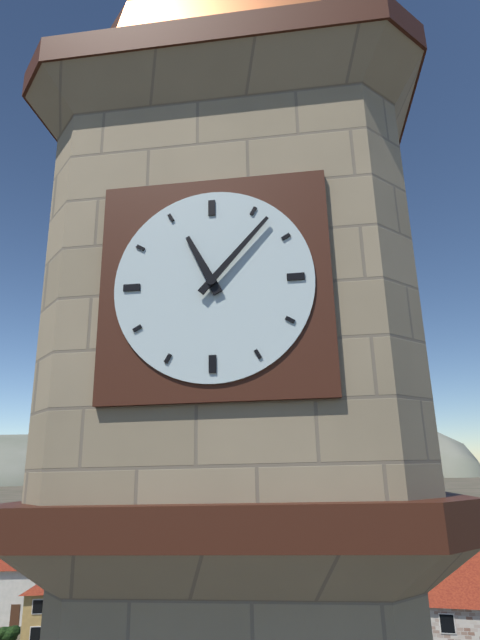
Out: 11h07
